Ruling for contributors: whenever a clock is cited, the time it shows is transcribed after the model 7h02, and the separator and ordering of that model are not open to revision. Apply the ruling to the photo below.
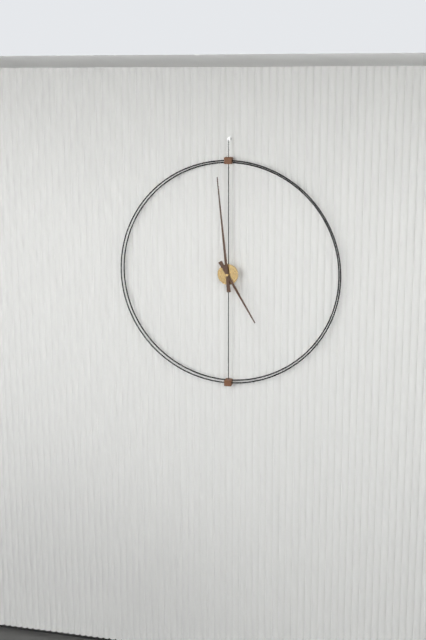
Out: 4h59
